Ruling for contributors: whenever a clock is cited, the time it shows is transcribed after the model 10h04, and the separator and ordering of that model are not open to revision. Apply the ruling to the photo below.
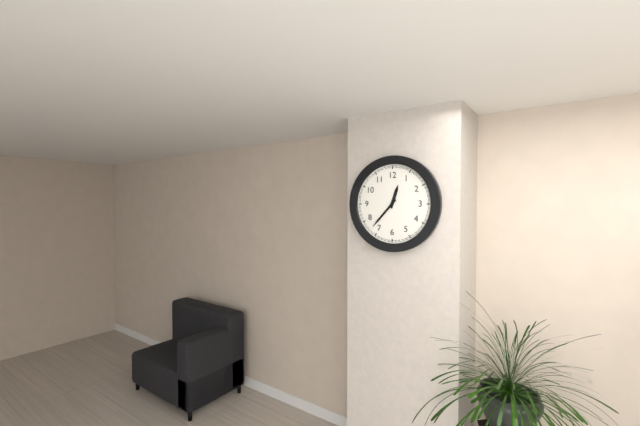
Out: 12h37
